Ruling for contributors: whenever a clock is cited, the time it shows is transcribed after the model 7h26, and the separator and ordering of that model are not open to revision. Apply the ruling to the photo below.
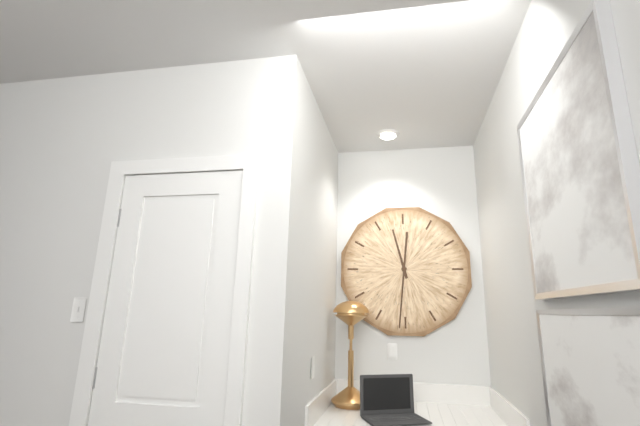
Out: 11h31
